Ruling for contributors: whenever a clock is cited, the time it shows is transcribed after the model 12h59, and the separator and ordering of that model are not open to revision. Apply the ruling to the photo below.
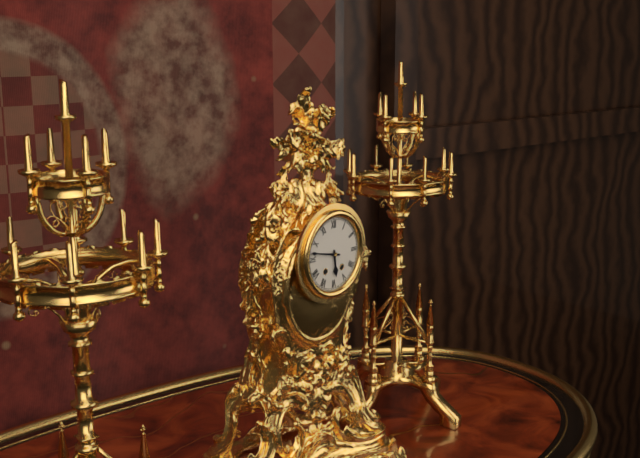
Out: 5h47
